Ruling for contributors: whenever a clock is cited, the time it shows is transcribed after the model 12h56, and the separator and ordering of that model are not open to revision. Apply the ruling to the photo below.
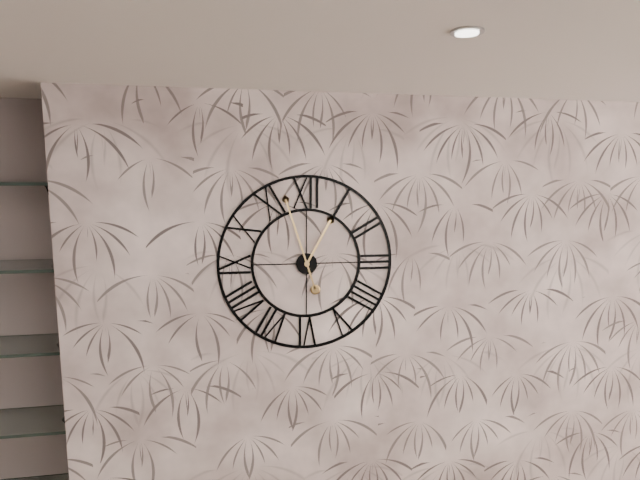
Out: 12h57
